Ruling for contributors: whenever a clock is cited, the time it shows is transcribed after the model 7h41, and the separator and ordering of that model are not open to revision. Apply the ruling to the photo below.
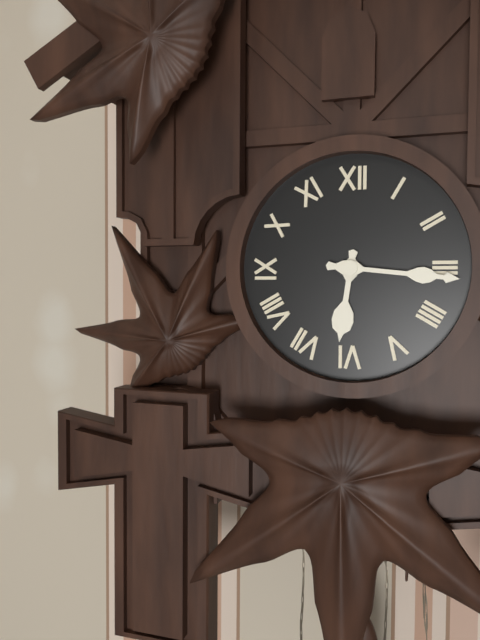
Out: 6h16
